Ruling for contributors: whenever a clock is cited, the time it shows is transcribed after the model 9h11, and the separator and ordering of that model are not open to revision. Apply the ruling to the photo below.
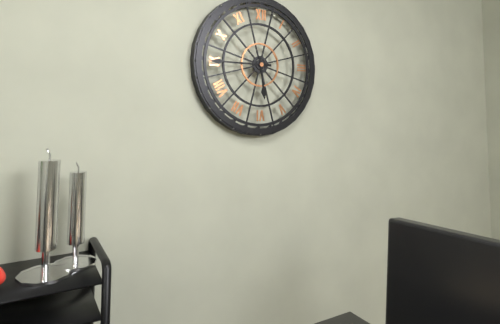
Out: 5h45
